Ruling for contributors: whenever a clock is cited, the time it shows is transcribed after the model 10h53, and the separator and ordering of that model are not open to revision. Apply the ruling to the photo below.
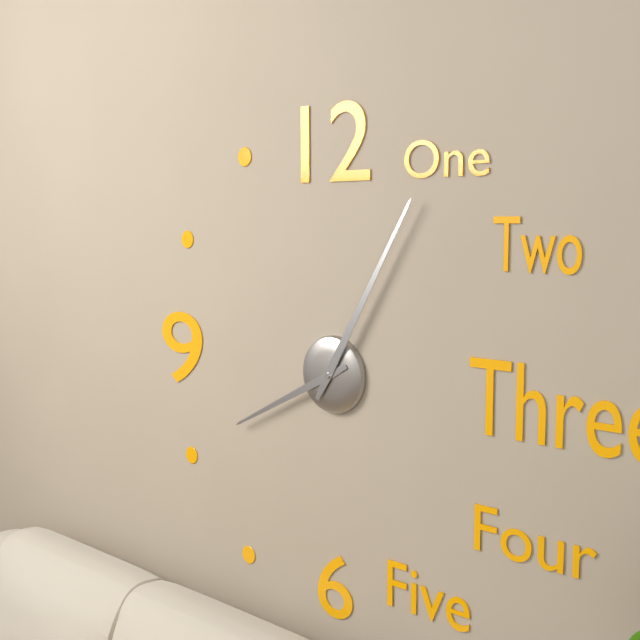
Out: 8h05
